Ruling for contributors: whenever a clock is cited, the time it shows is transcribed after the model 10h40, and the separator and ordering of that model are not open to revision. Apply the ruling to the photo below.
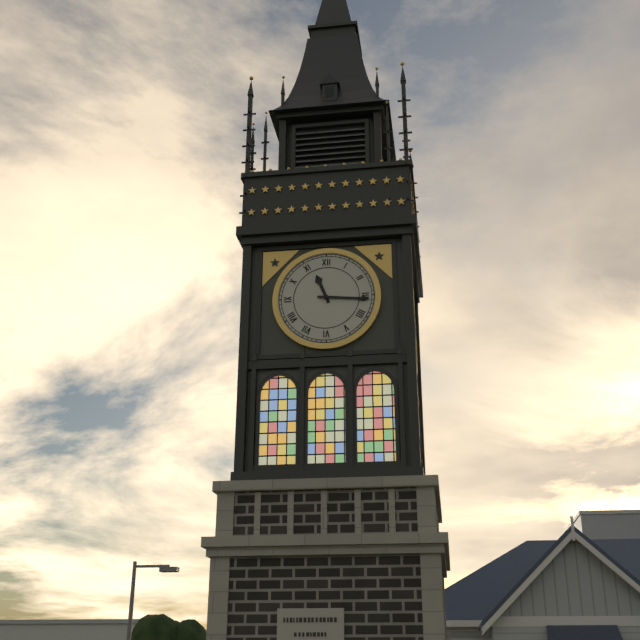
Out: 11h16
